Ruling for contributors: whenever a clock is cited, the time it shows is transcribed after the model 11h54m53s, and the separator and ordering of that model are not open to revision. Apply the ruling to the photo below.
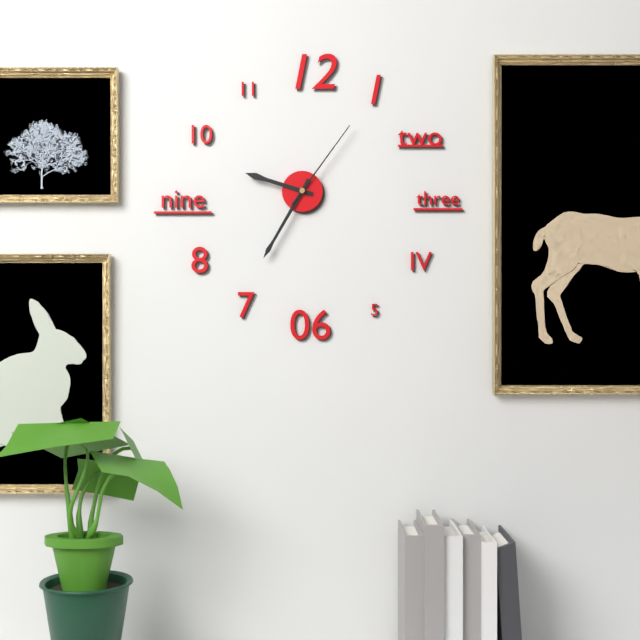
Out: 9h35m06s
